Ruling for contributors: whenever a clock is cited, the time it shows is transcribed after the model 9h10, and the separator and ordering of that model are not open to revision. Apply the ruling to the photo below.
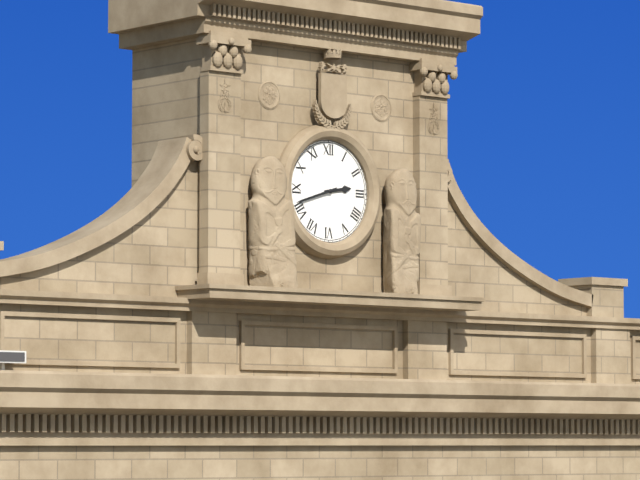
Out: 2h42
